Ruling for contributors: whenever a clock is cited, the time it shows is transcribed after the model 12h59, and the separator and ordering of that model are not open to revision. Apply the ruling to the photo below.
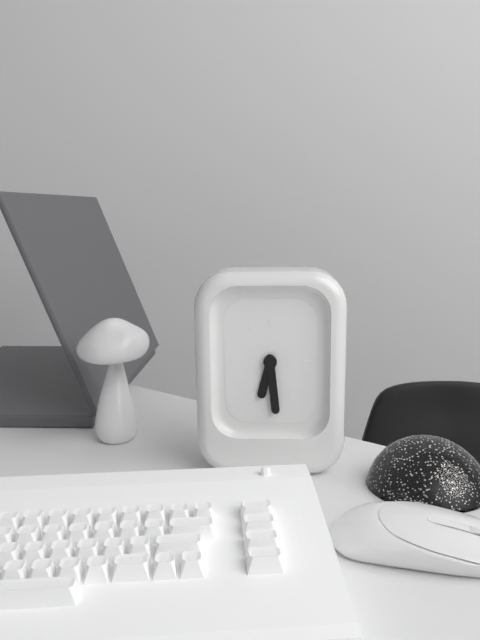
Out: 6h29
